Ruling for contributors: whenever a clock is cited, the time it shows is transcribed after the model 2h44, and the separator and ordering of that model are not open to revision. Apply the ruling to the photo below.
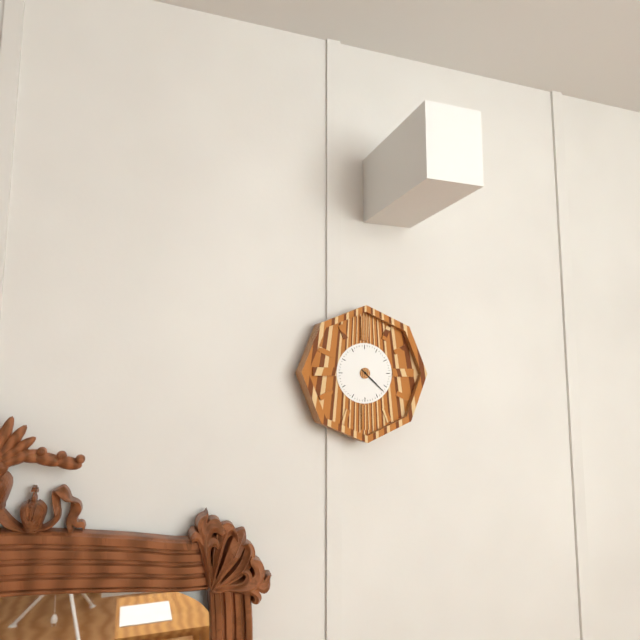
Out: 4h22
